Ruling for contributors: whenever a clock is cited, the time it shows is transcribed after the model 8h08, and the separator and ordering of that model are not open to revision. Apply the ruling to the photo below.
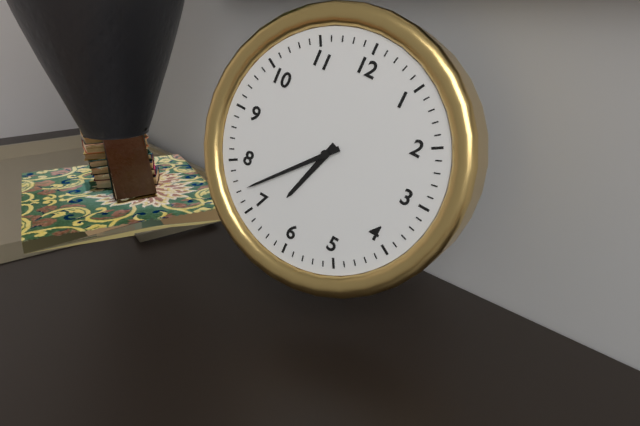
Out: 6h37
